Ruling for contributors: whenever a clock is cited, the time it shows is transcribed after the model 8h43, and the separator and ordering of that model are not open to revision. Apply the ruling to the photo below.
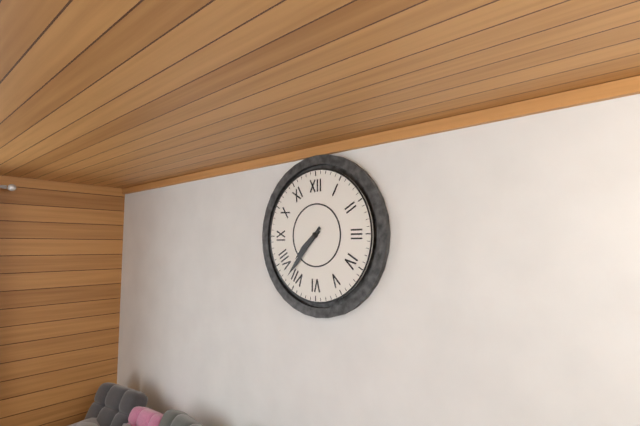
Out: 7h37
